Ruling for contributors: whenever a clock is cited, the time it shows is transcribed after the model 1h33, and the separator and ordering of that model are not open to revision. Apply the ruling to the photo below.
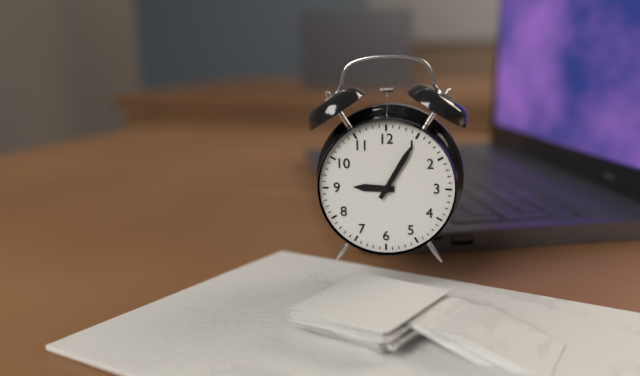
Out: 9h05
